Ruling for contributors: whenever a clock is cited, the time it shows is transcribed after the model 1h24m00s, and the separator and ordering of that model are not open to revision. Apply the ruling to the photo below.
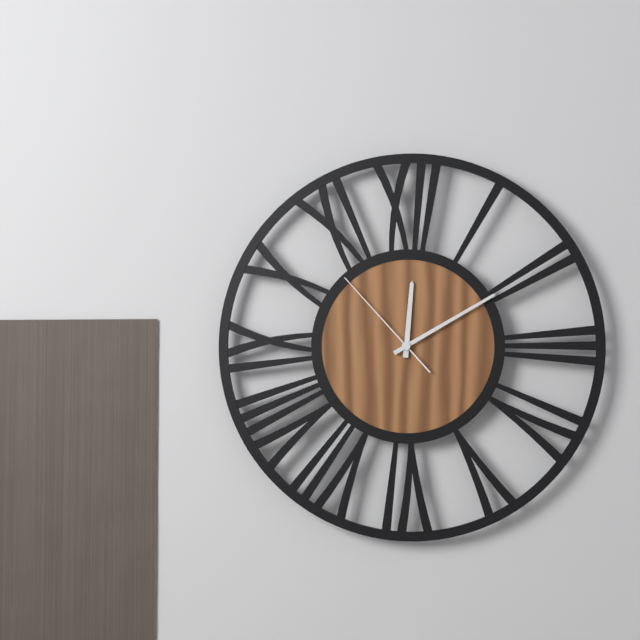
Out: 12h10m53s
